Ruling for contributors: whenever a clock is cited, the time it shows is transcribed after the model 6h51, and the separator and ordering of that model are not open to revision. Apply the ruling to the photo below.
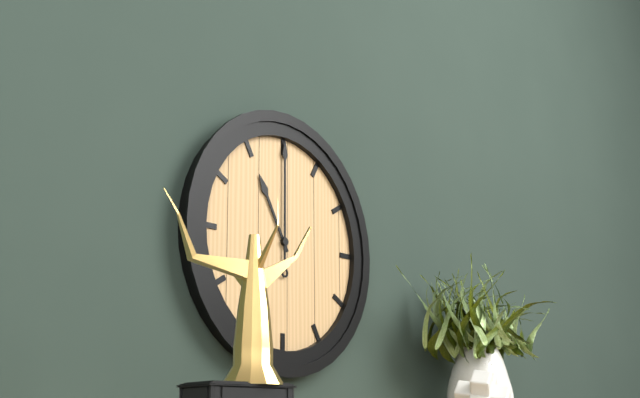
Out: 11h00
